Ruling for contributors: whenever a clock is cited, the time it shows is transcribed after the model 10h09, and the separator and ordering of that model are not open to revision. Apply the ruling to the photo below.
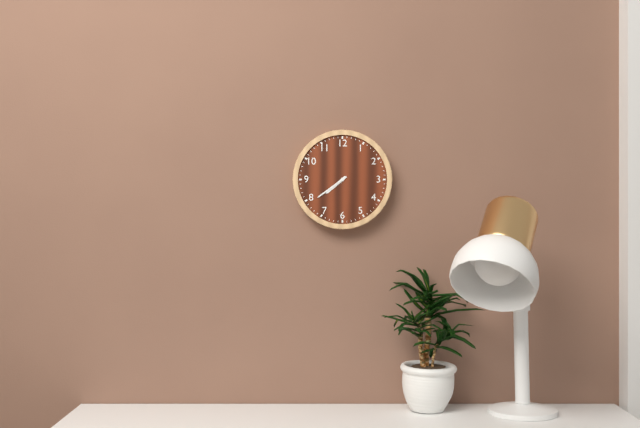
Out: 7h39
